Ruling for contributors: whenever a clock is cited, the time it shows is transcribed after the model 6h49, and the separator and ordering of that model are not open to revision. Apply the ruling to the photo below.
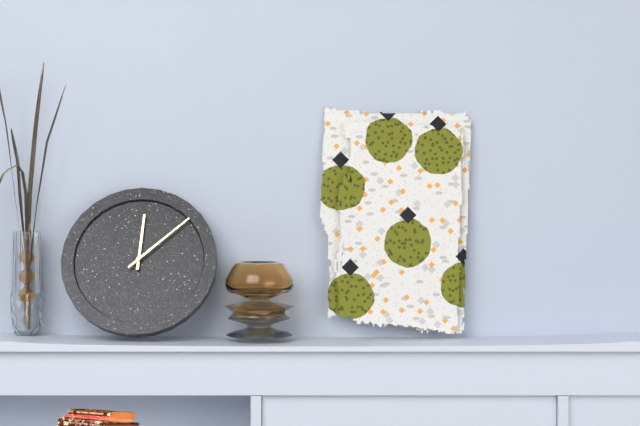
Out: 12h08
